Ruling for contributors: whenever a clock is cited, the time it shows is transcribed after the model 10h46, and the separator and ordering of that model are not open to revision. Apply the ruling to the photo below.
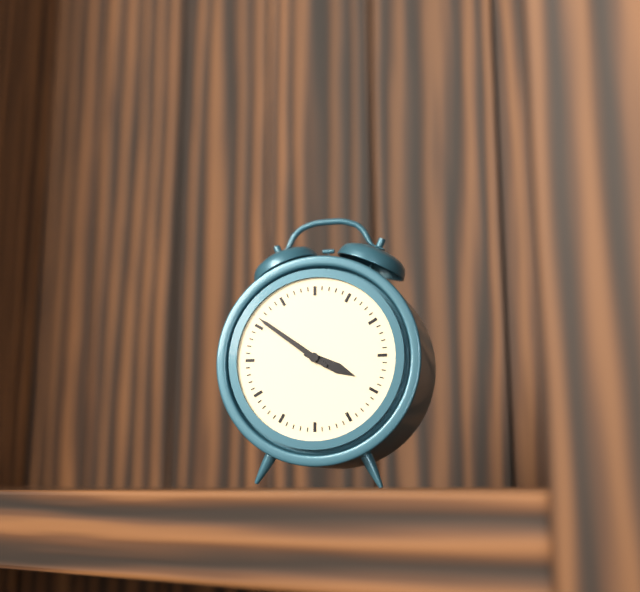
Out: 3h51
